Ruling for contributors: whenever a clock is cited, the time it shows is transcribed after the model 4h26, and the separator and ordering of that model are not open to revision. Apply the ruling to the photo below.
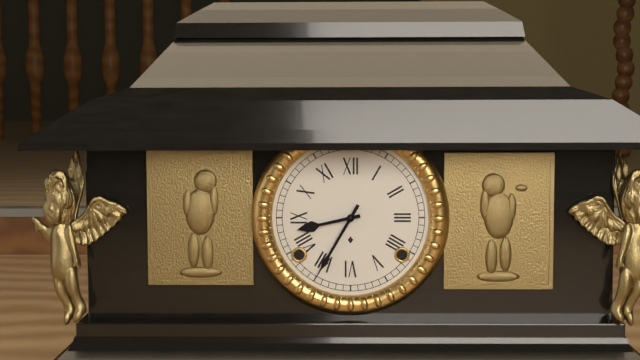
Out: 8h35
